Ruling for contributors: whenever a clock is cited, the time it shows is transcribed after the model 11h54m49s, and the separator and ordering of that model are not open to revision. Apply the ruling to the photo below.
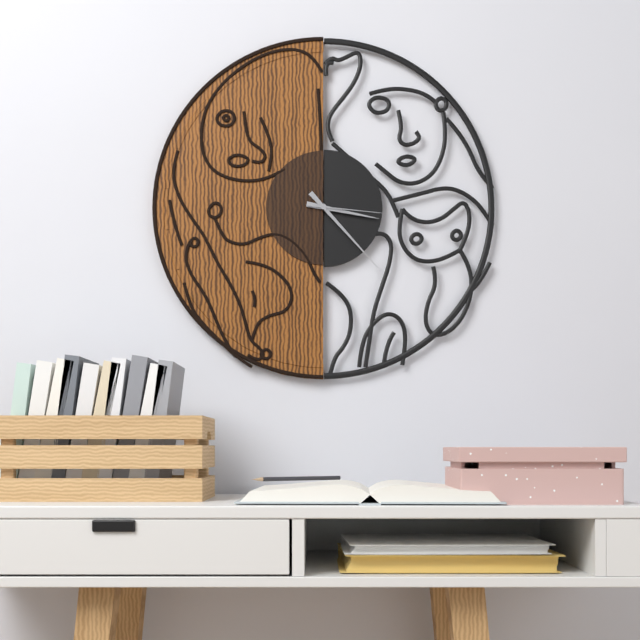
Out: 3h23m16s
